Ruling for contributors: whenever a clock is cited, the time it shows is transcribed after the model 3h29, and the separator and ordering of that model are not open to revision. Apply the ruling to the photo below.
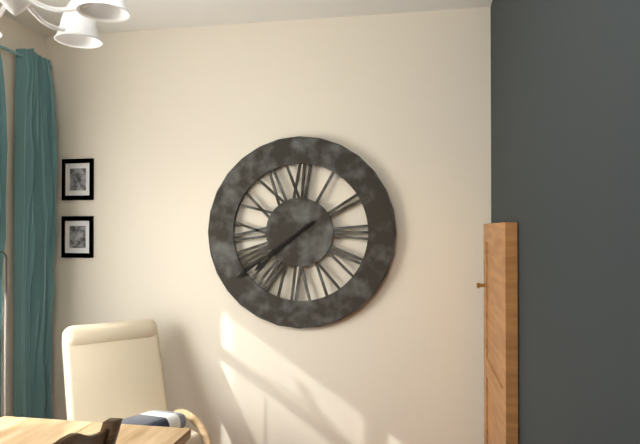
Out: 7h39
